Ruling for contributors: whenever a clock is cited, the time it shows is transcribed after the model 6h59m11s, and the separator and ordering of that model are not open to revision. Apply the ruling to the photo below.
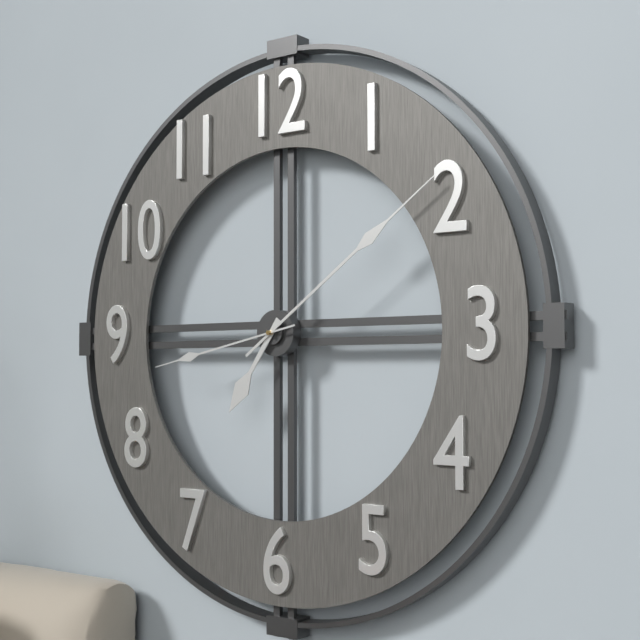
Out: 7h09m43s
